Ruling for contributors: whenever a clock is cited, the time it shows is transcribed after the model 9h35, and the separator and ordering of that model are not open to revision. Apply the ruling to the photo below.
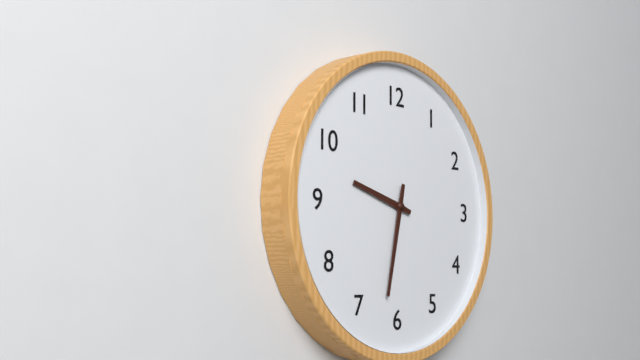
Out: 9h32
